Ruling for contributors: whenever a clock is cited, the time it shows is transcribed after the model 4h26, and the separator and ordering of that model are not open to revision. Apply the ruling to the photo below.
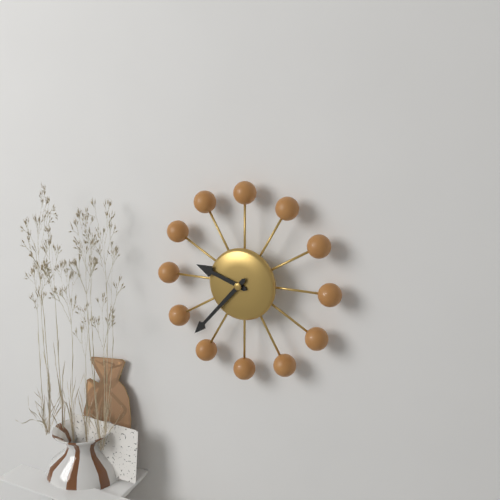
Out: 9h37
